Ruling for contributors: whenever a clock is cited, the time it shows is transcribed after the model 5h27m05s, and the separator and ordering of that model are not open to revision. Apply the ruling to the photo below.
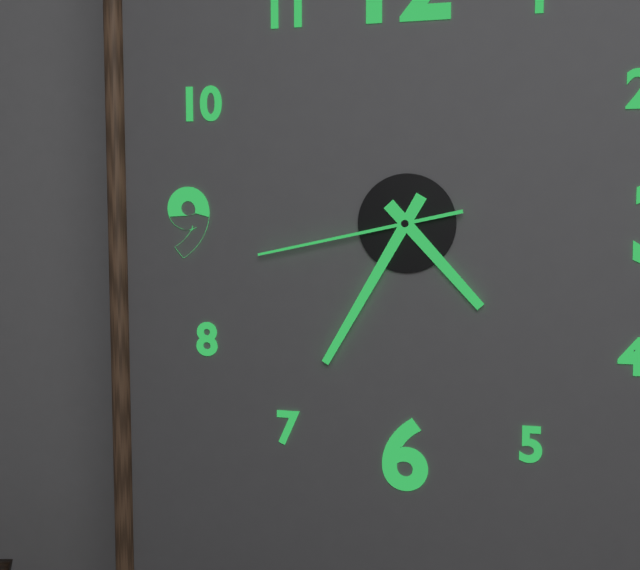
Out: 4h35m43s
